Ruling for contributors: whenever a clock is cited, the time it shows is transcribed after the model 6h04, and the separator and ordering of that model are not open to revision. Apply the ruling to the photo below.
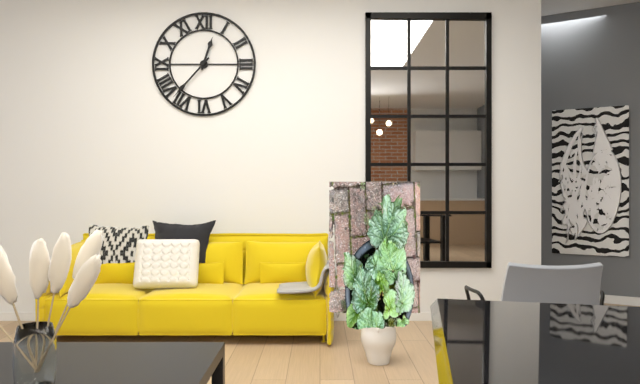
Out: 12h37
